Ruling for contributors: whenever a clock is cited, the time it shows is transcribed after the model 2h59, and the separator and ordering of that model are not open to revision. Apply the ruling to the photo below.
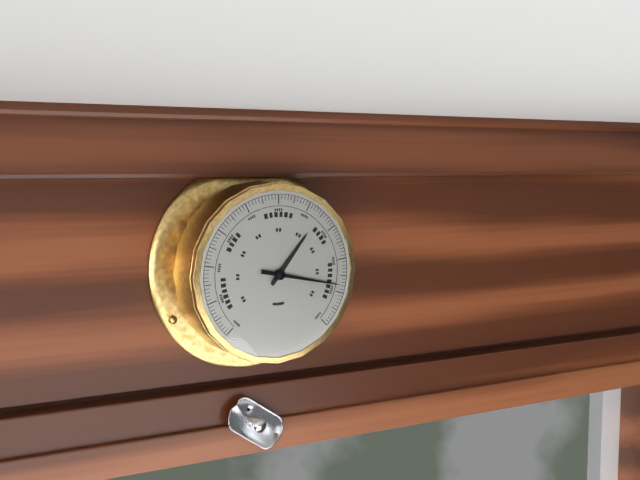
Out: 1h17
